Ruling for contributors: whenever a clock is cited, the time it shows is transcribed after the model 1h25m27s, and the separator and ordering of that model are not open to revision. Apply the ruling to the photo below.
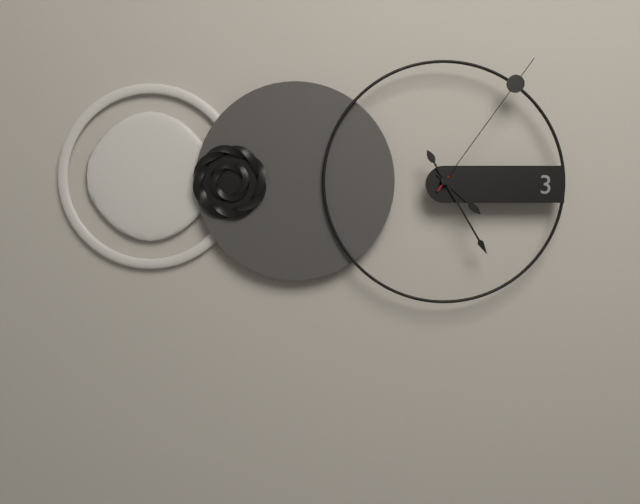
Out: 4h25m06s
